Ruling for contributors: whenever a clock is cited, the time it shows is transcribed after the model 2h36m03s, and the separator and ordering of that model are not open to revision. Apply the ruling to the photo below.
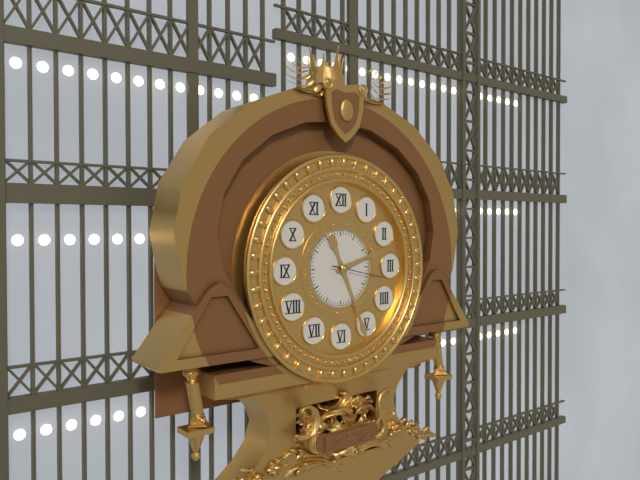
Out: 2h26m17s
